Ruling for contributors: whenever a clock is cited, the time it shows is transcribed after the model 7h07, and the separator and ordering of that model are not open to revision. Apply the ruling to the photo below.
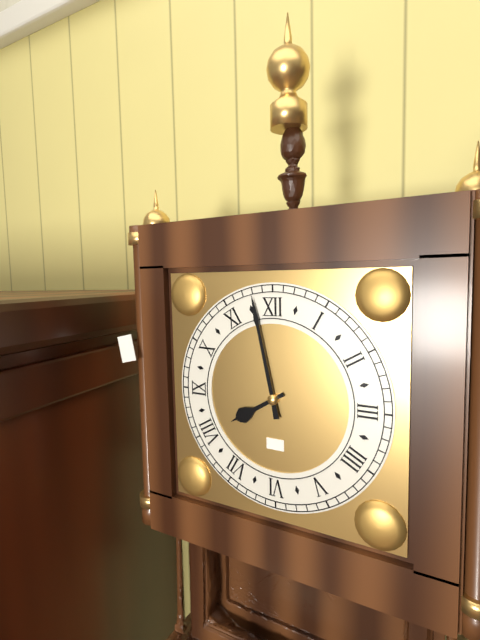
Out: 7h58
